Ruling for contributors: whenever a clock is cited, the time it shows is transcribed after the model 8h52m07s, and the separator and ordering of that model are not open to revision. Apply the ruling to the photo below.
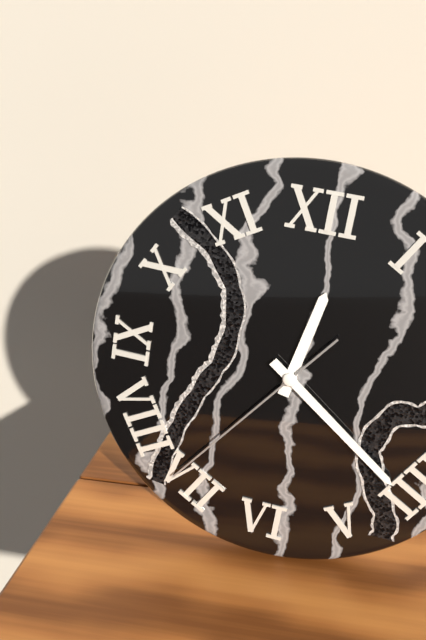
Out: 12h21m36s
